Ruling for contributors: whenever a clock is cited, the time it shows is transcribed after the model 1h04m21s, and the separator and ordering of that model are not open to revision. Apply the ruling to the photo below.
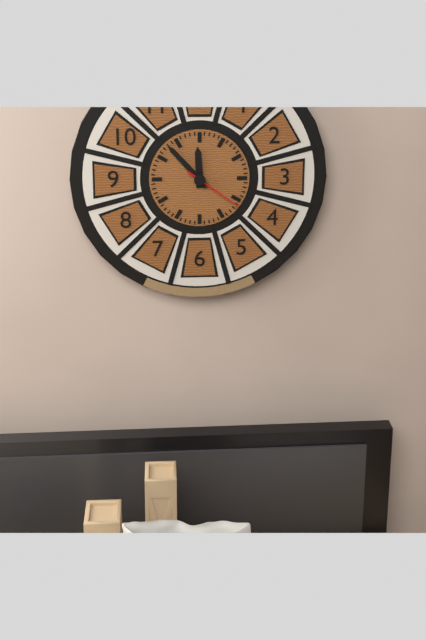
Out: 11h53m21s
